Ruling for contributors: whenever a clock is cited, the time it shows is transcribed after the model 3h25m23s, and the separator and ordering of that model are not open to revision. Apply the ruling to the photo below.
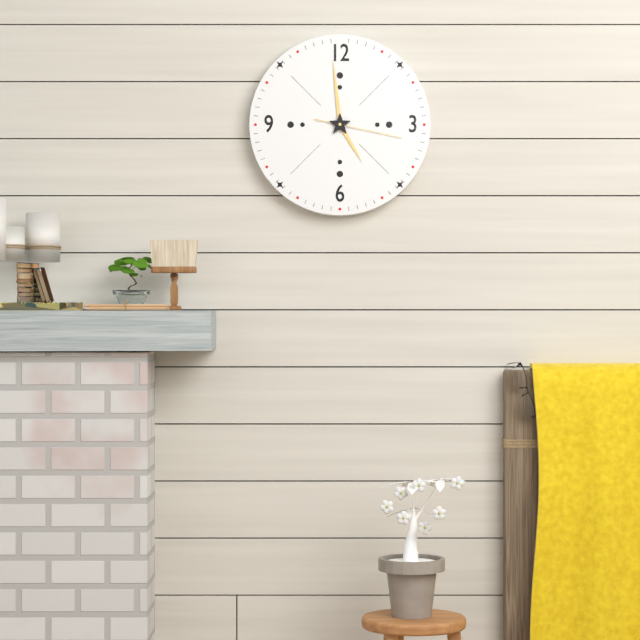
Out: 4h59m17s
